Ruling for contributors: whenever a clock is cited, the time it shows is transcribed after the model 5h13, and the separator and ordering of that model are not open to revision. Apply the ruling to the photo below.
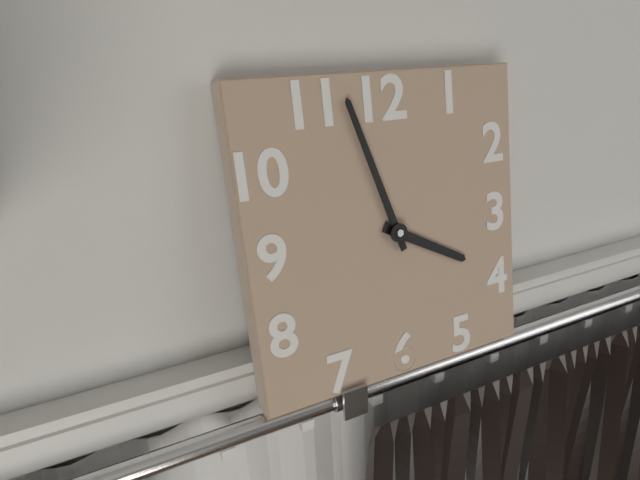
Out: 3h57
